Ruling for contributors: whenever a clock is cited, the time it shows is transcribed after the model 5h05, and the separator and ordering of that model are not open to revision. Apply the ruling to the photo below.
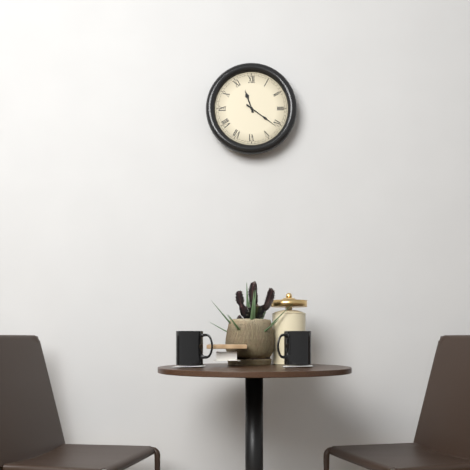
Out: 11h21
